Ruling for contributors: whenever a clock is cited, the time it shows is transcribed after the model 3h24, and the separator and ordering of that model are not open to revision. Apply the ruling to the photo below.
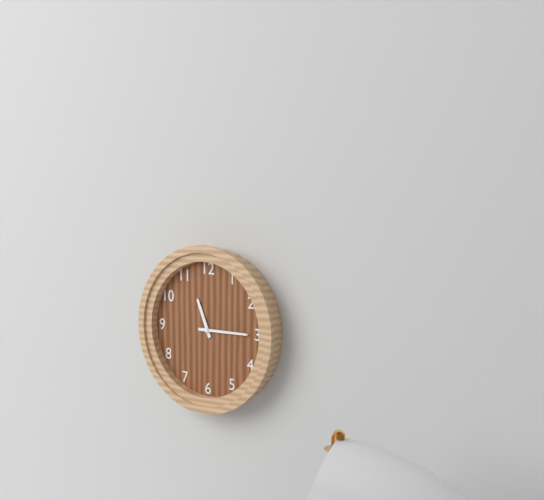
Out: 11h15
